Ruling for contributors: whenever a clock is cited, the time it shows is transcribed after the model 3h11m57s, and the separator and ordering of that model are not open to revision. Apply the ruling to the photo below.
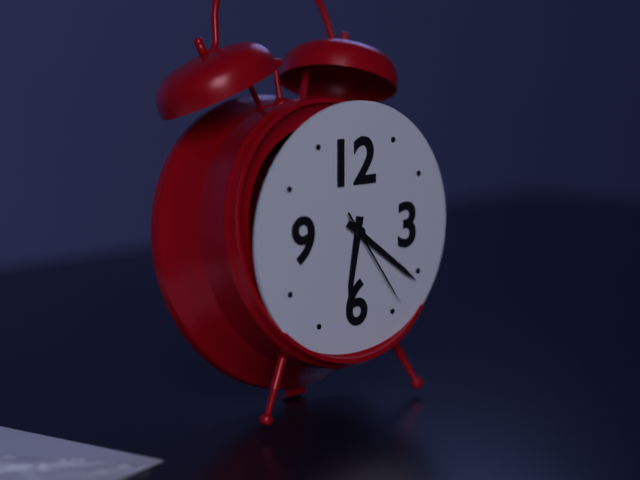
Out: 6h21m24s
